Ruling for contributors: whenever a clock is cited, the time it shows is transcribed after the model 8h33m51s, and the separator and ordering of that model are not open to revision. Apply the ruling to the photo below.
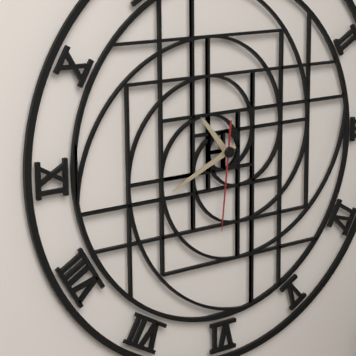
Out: 10h41m31s
